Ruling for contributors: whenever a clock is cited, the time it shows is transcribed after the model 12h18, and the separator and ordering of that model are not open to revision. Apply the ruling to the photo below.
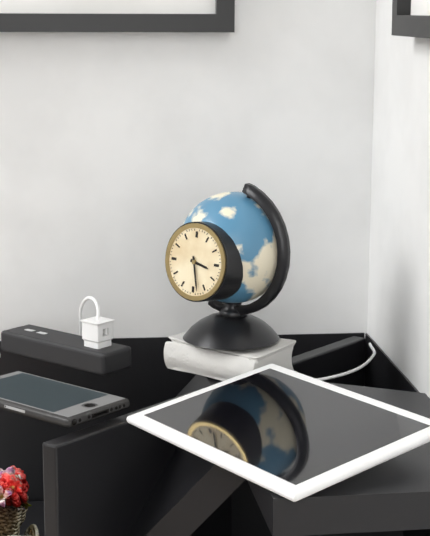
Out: 3h28
